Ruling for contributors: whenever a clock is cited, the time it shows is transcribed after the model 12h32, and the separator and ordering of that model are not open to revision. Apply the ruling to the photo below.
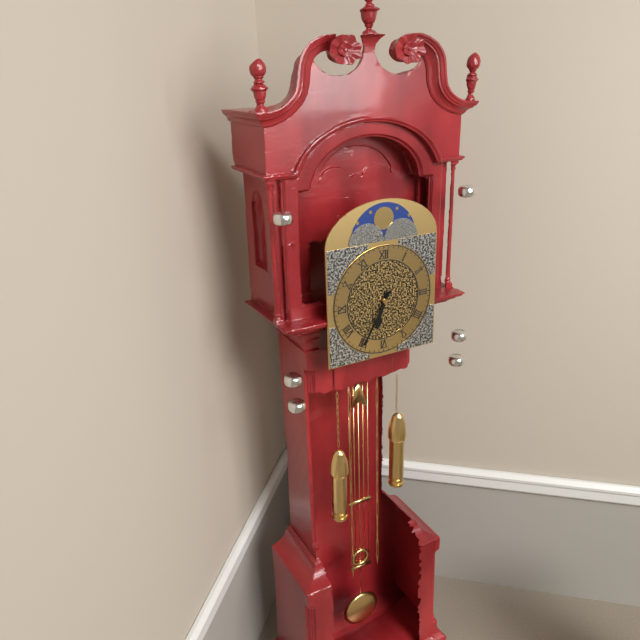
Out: 6h35
